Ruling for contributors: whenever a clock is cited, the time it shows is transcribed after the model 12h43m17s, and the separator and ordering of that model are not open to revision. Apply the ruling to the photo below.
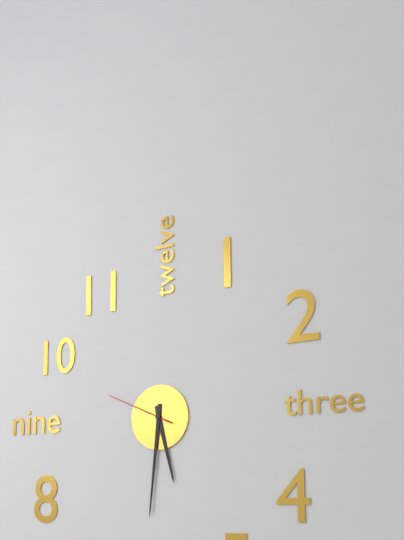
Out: 5h31m49s
